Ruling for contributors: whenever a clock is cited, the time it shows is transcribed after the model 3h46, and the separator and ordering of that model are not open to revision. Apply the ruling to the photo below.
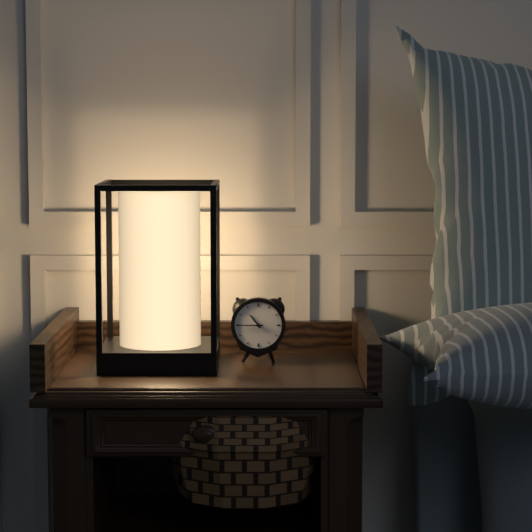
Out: 10h45
